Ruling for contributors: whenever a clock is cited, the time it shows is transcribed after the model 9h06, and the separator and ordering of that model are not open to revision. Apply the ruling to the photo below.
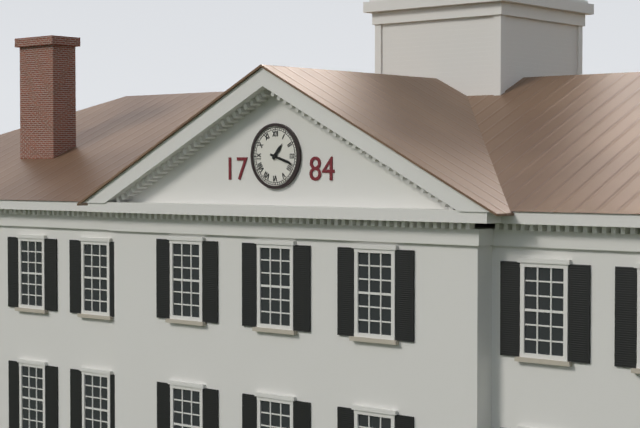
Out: 1h18
